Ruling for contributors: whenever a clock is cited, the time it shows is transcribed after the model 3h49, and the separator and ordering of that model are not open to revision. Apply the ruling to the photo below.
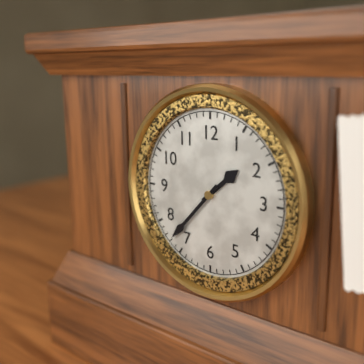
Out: 1h37
